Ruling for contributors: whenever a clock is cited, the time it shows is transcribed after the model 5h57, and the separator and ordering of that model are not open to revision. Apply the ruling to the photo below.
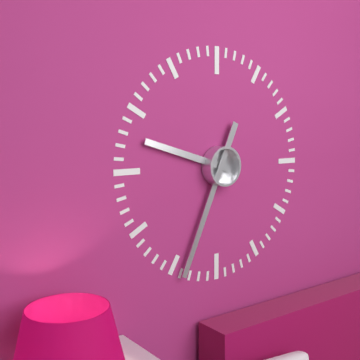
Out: 9h34
